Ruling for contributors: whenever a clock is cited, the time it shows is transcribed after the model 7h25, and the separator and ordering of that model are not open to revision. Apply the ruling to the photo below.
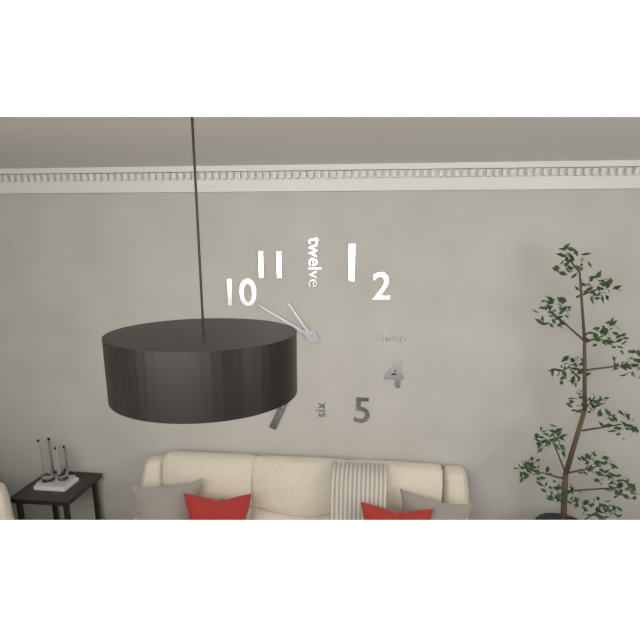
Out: 10h50
